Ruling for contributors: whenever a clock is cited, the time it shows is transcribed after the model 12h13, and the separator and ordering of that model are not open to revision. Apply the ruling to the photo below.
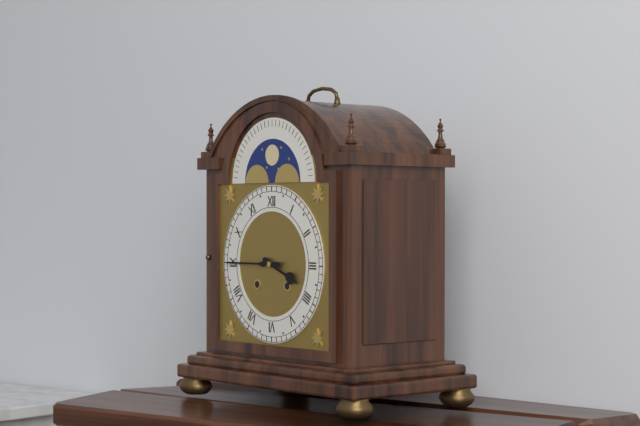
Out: 3h45
